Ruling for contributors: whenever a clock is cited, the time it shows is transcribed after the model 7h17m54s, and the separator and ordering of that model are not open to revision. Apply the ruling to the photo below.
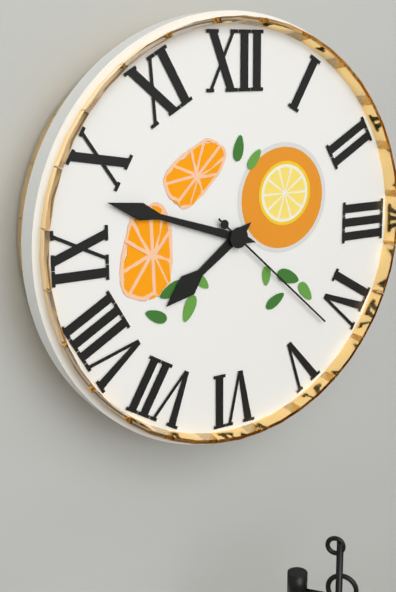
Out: 7h48m22s
